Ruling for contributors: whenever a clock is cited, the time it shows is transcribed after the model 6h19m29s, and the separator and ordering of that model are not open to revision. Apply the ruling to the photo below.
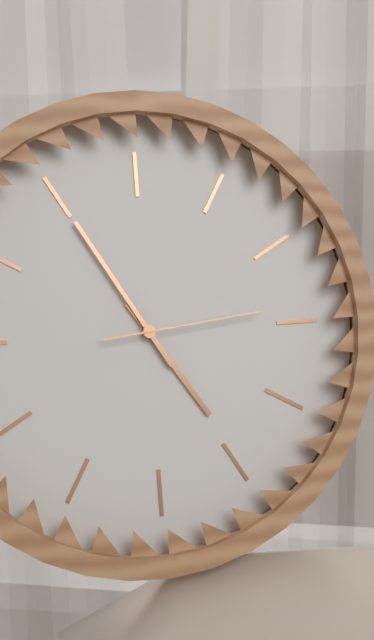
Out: 4h55m14s
